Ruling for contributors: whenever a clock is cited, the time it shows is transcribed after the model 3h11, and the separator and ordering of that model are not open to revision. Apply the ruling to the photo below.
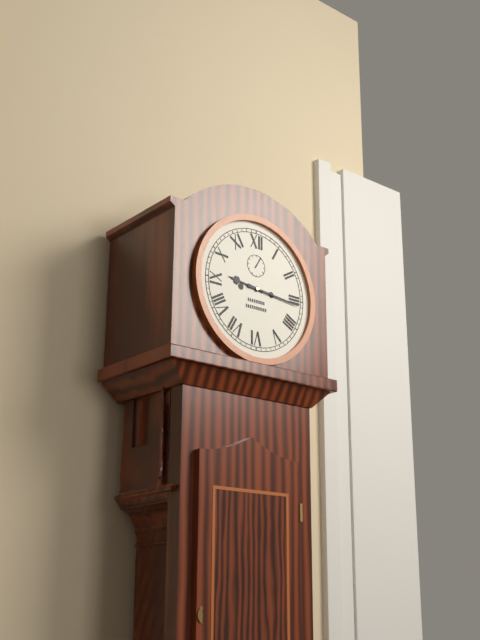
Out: 9h16
